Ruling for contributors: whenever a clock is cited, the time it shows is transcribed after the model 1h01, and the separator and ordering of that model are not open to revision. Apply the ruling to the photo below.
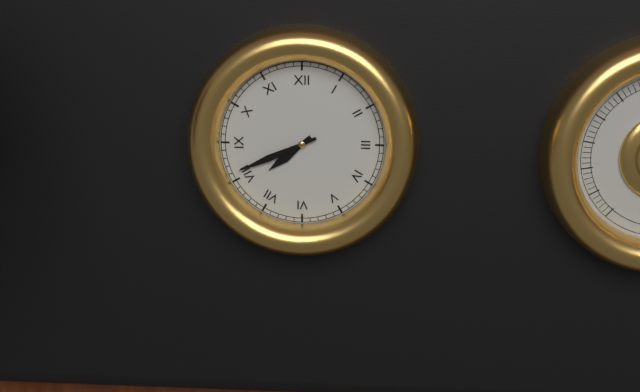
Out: 7h41
